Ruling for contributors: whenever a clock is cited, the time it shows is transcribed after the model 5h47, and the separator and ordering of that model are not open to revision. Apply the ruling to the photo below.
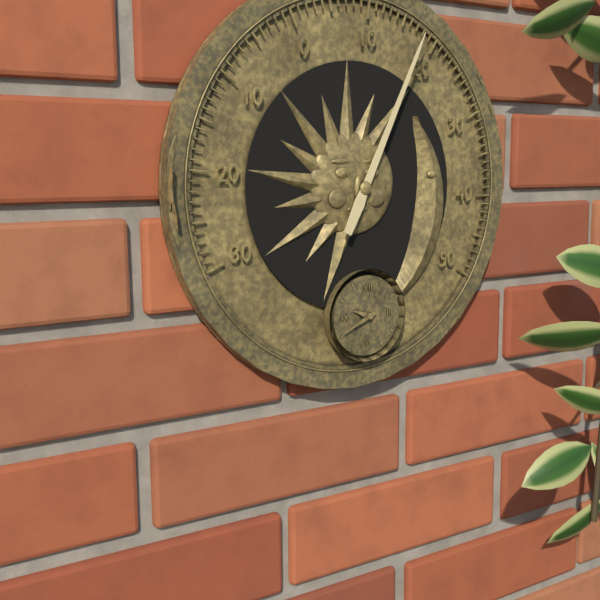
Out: 9h41
